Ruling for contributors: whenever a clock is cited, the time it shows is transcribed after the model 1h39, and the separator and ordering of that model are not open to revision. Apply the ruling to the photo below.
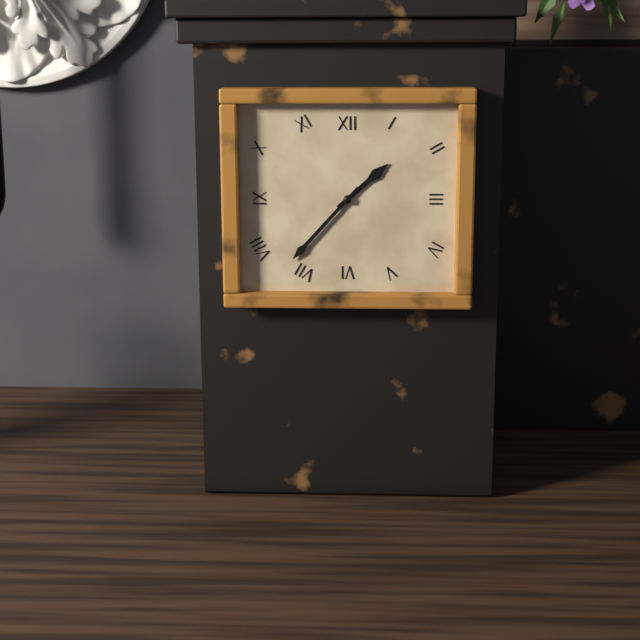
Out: 1h37
